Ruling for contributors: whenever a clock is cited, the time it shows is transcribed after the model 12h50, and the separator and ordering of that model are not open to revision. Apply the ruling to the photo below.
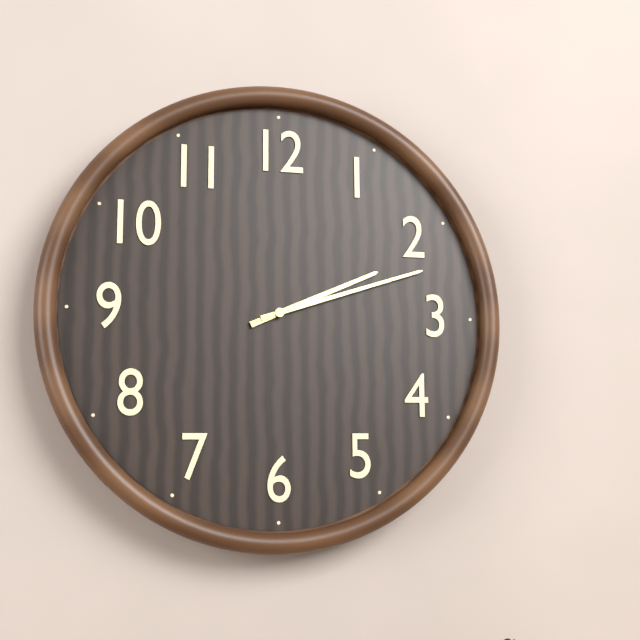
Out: 2h12
